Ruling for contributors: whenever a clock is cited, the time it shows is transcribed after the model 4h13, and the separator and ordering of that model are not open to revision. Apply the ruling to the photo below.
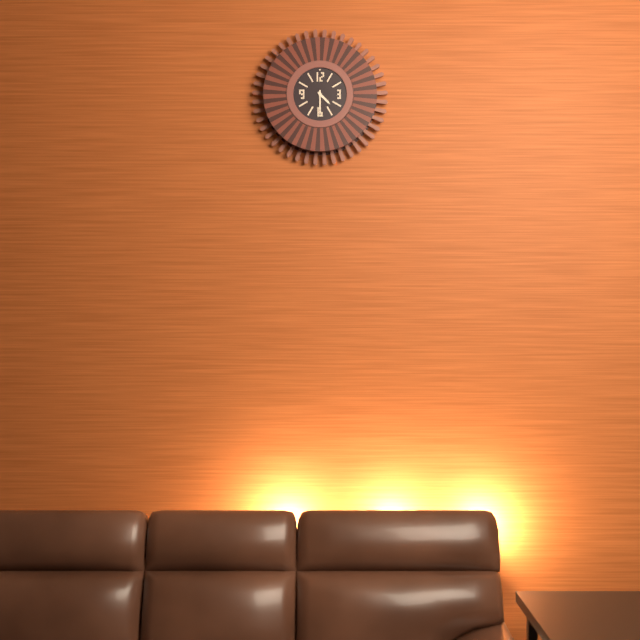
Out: 4h30
